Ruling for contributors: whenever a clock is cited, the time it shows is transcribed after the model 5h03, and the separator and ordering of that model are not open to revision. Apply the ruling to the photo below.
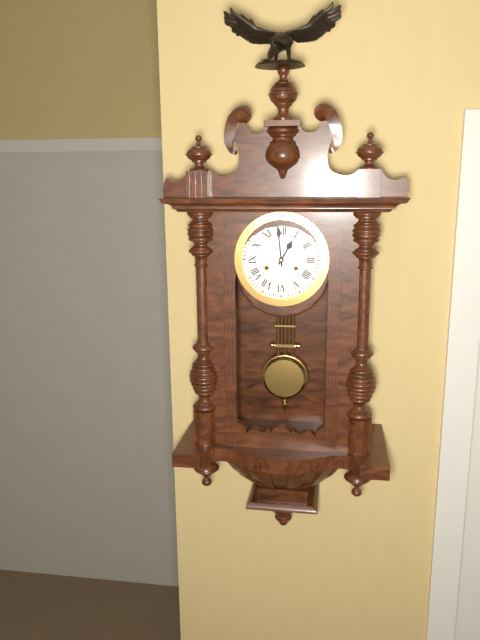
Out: 12h59
